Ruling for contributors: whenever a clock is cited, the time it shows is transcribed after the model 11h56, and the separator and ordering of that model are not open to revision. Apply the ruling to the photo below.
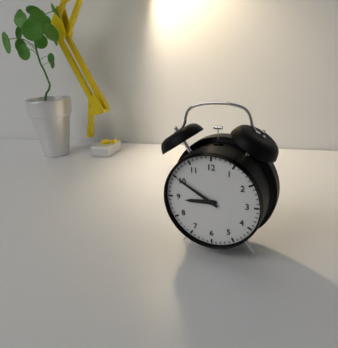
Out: 8h50
